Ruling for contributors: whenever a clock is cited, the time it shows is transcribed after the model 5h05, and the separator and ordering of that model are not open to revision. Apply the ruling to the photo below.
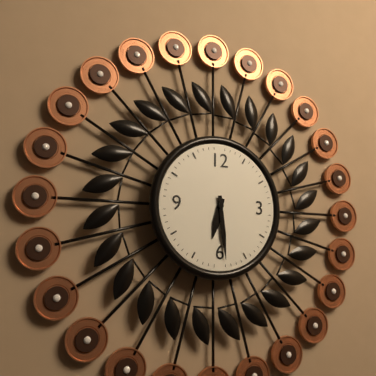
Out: 6h29
